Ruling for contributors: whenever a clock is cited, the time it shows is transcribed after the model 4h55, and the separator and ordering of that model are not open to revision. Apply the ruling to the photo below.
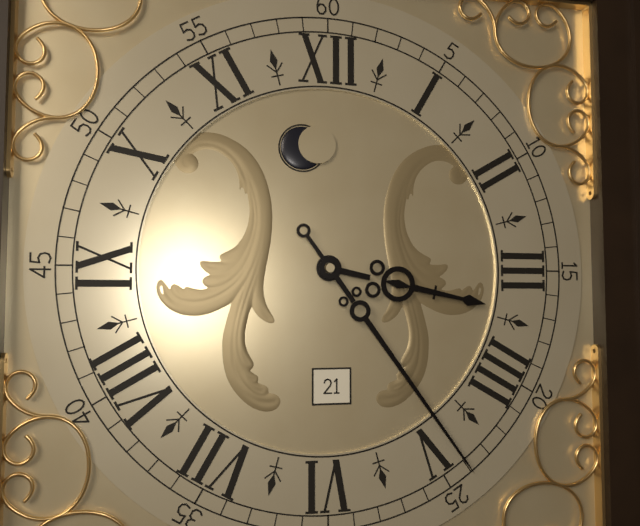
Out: 3h24
